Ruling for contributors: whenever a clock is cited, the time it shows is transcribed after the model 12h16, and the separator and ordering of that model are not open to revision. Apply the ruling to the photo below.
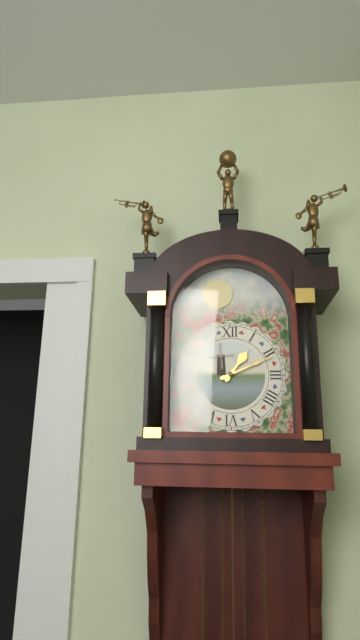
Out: 1h11
